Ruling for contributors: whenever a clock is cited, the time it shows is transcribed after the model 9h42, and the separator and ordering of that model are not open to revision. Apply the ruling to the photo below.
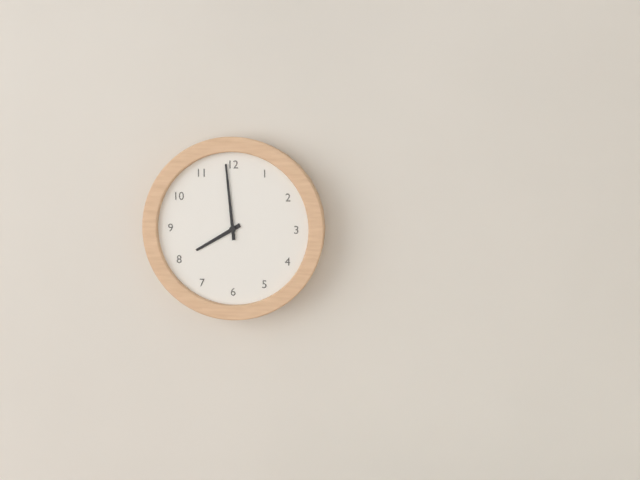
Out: 7h59
